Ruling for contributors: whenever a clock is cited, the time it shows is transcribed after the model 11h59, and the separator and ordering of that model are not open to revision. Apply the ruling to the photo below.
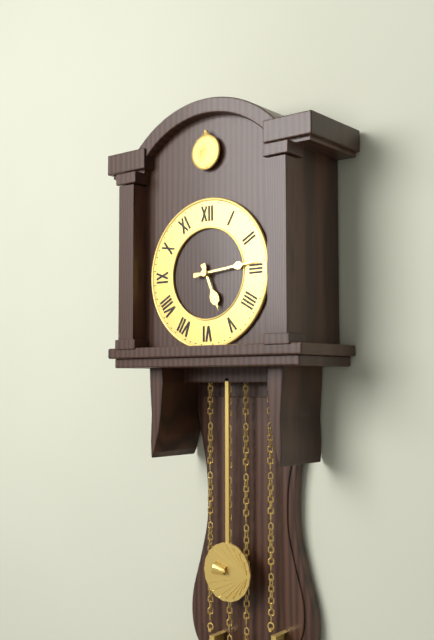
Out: 5h14
